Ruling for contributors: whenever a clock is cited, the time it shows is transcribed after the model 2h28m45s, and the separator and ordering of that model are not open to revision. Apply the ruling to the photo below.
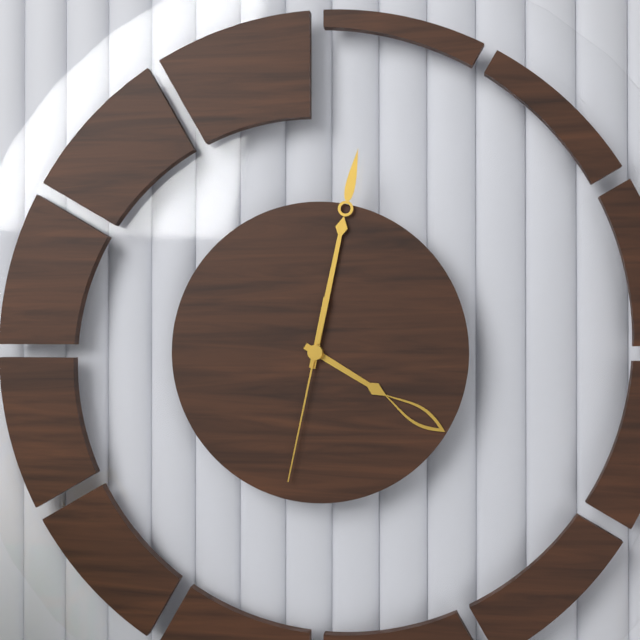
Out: 4h02m32s
